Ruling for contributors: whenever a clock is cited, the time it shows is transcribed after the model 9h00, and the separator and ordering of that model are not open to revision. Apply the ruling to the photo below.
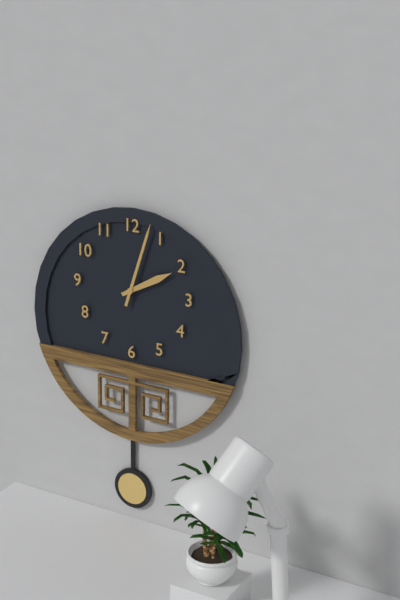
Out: 2h03
